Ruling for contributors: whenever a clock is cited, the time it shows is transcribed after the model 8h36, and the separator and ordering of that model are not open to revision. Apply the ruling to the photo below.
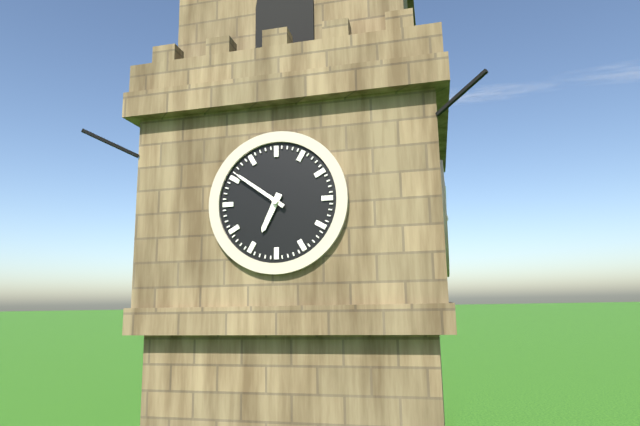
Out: 6h51
